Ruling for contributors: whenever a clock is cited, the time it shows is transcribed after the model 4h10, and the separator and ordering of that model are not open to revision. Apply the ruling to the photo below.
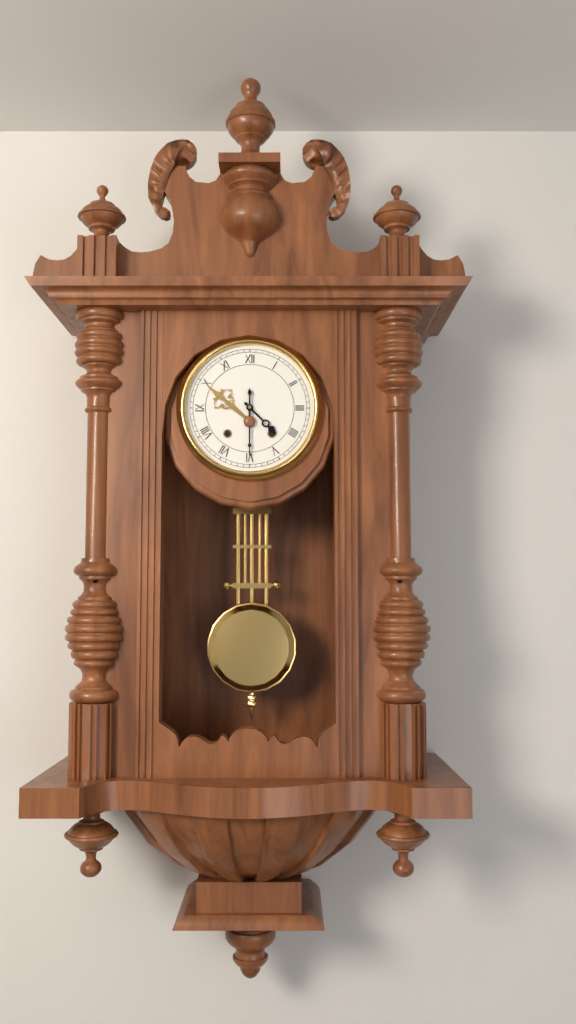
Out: 4h30
